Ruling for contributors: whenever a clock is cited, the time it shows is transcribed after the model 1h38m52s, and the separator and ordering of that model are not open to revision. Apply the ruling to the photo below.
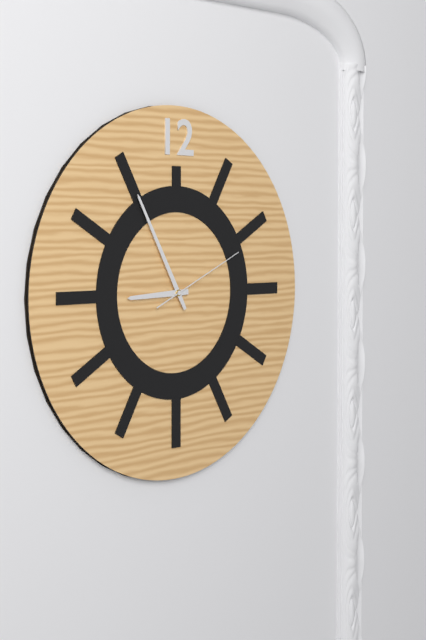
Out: 8h55m11s
